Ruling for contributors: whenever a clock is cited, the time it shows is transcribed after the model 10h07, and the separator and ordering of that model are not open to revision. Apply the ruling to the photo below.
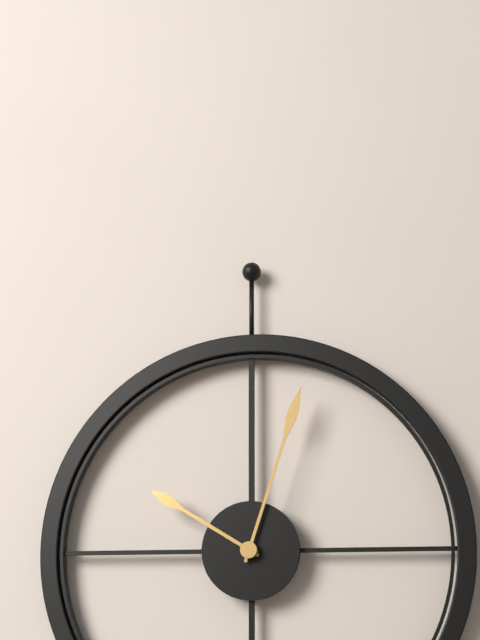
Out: 10h03
